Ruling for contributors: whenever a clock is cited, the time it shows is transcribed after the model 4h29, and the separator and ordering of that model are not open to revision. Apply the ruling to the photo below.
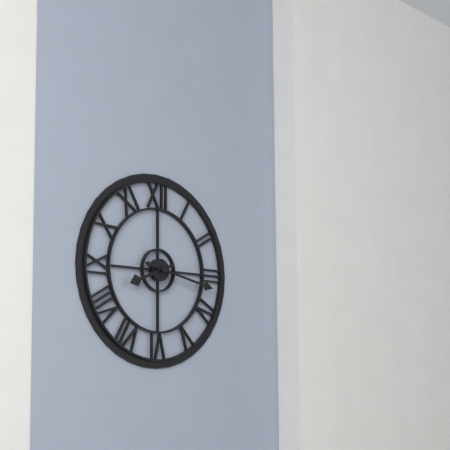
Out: 8h17
